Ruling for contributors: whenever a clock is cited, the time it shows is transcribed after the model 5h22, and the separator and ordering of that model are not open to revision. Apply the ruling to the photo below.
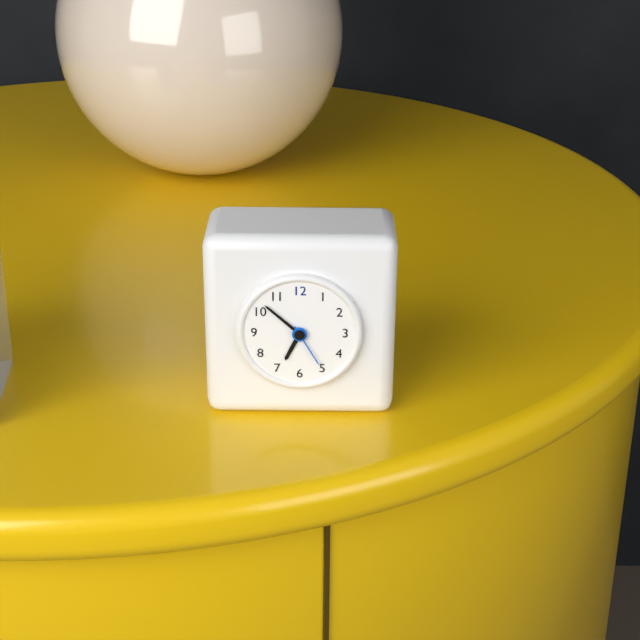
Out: 6h52
